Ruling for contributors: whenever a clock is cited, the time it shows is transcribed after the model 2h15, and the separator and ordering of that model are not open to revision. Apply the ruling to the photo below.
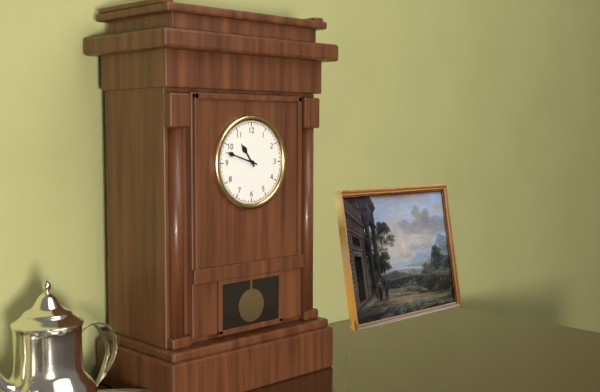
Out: 10h48
